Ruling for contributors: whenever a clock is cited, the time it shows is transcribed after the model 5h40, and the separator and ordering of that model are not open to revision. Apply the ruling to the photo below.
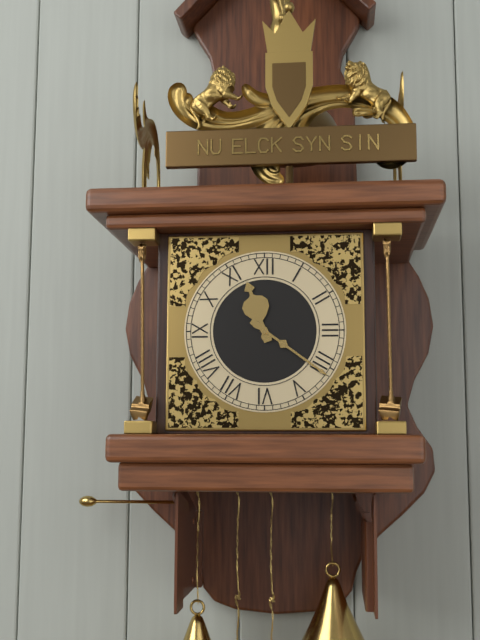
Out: 11h21
